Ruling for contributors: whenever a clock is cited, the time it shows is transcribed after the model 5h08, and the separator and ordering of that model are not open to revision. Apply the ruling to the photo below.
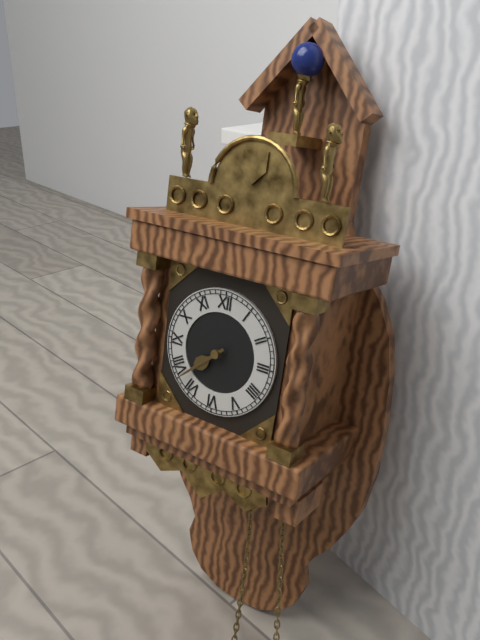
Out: 7h38
